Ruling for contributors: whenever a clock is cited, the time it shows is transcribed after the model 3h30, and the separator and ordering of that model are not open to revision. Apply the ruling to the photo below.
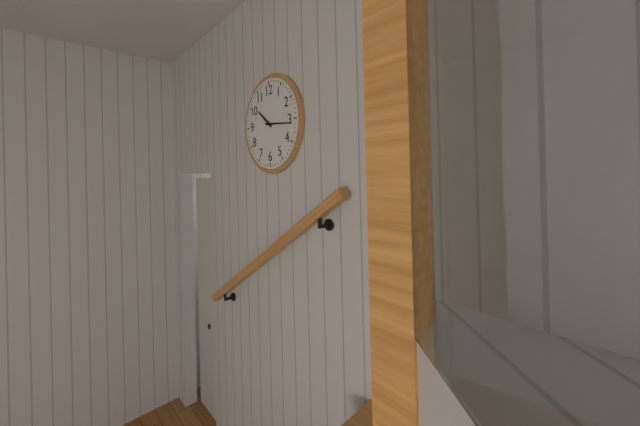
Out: 10h16
